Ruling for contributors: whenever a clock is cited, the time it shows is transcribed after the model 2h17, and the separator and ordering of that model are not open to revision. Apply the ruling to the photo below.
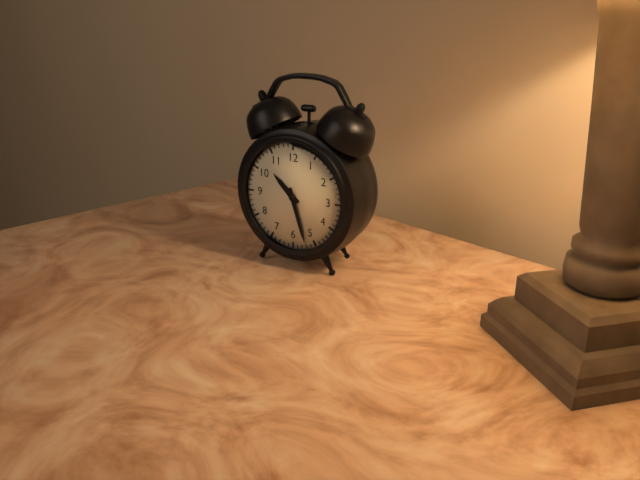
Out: 10h27
